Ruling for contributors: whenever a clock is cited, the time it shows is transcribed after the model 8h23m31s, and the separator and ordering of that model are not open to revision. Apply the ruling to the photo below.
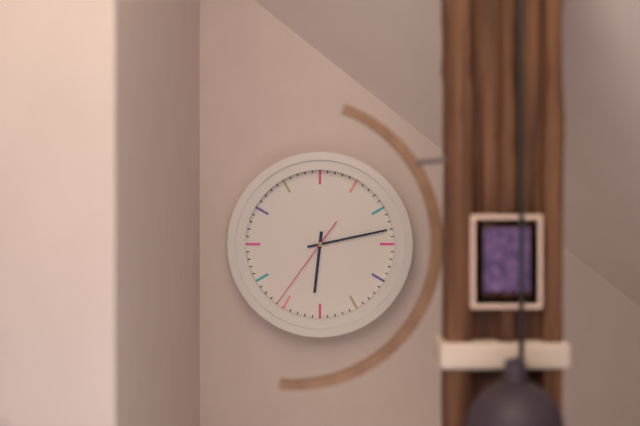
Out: 6h13m36s
